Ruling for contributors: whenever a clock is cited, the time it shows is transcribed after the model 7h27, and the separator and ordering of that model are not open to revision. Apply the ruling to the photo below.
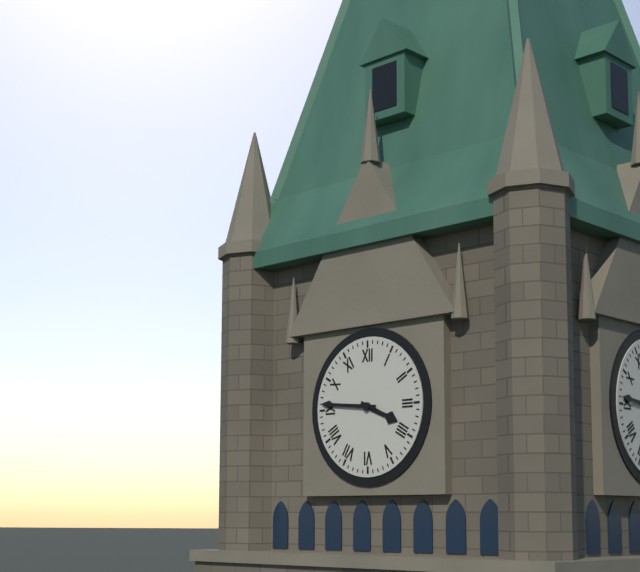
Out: 3h46
